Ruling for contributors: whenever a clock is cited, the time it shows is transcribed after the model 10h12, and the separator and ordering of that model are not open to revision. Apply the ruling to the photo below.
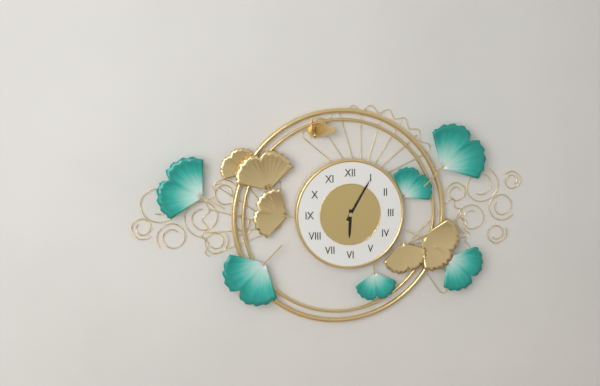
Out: 6h05
